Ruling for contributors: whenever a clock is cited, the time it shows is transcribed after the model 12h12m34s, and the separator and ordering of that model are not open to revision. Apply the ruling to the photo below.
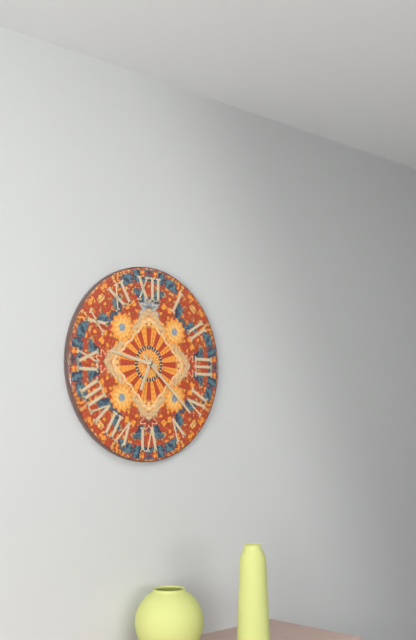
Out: 6h47m22s
